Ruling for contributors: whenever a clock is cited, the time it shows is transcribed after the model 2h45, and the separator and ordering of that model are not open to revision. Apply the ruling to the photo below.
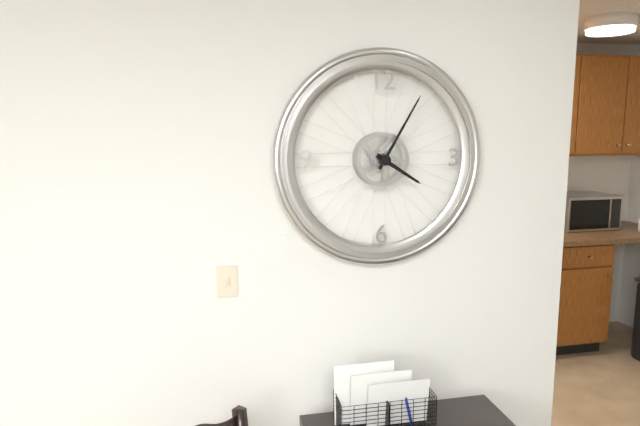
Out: 4h05
